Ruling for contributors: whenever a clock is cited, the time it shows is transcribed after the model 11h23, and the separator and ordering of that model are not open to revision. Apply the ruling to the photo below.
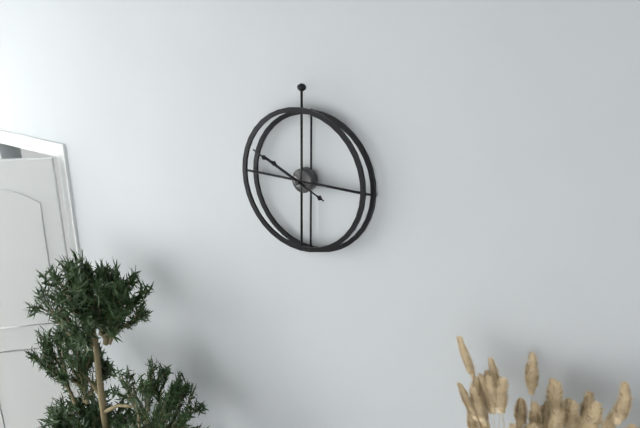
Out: 9h49
